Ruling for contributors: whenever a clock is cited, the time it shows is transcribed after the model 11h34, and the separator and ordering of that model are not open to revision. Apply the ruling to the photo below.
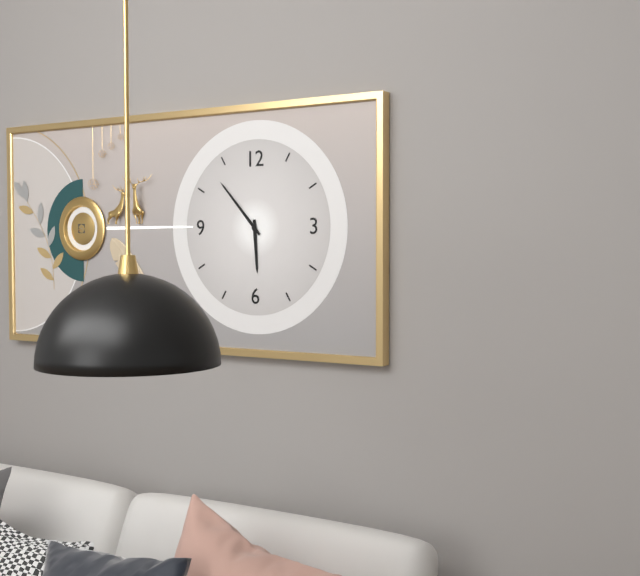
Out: 5h53
